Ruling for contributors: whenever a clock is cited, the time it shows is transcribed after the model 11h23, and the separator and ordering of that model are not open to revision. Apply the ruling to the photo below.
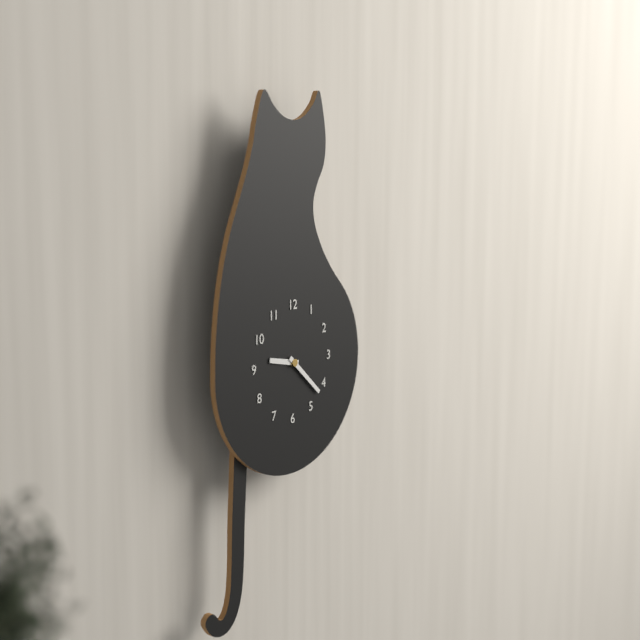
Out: 9h22
